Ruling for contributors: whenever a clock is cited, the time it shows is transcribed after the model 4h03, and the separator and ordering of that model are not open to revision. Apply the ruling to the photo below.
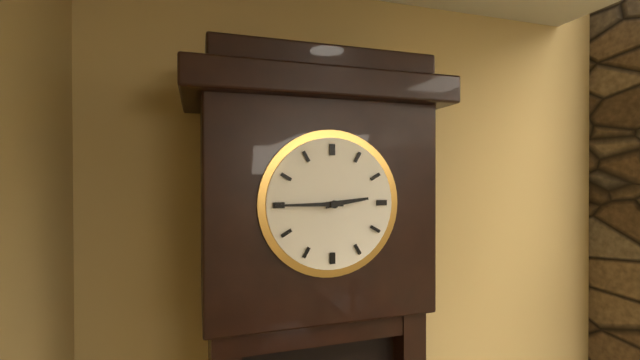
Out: 2h45
